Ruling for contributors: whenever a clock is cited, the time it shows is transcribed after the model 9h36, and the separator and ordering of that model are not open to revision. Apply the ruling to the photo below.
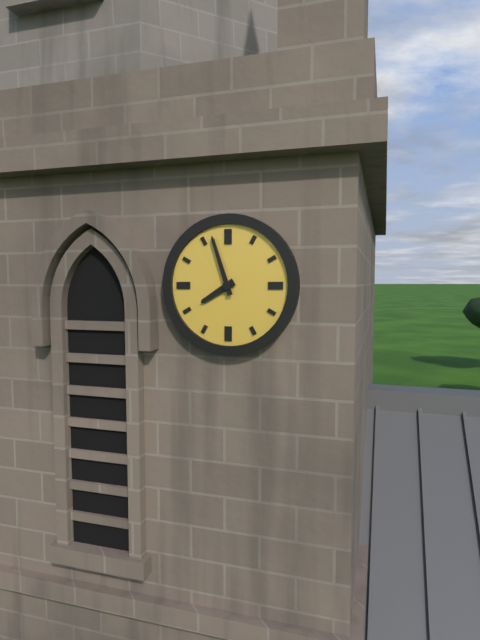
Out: 7h57
